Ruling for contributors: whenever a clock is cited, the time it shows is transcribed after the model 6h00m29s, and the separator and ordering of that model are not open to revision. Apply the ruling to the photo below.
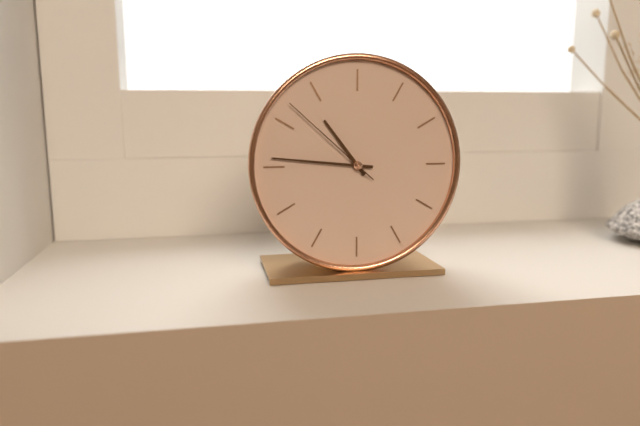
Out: 10h46m52s
